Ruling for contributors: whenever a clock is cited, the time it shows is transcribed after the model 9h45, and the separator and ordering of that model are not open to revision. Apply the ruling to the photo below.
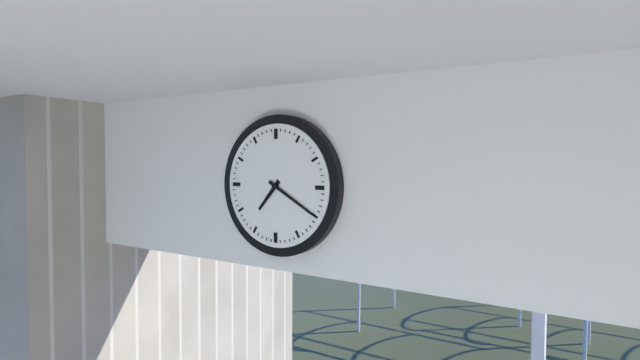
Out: 7h20
